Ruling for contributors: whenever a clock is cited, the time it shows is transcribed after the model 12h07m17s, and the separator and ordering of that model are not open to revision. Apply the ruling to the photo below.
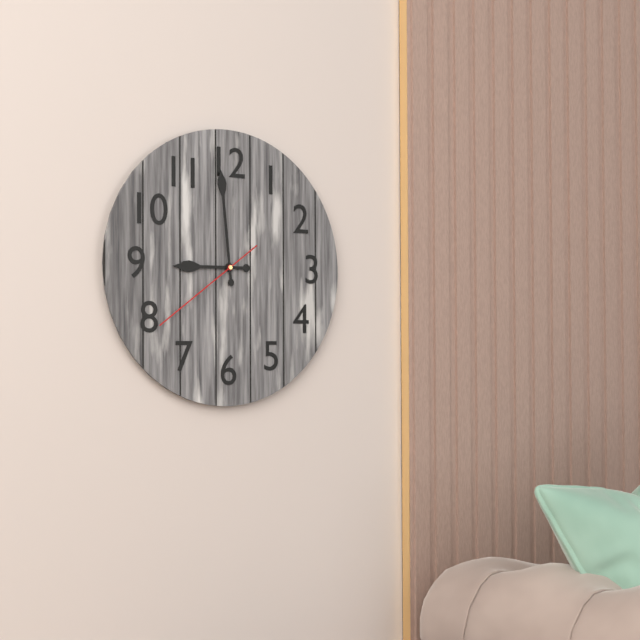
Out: 8h59m39s
